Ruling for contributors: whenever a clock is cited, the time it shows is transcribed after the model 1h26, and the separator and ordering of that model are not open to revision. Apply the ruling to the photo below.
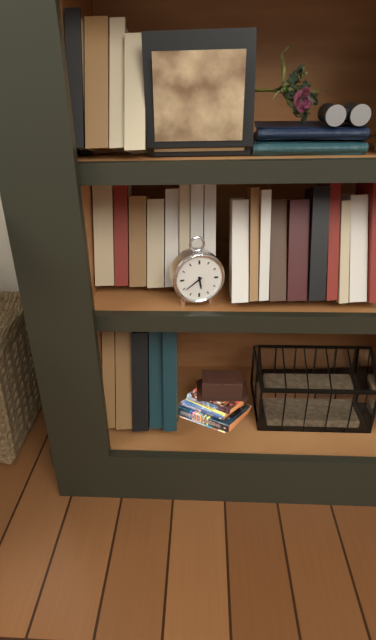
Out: 5h39
